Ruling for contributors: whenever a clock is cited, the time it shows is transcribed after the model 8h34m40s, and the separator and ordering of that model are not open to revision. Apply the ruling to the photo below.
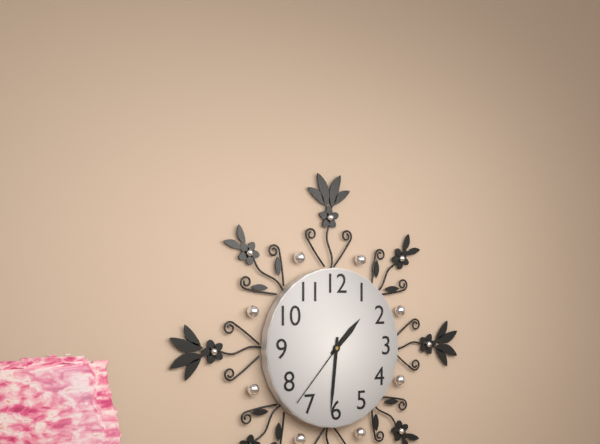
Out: 1h31m37s
